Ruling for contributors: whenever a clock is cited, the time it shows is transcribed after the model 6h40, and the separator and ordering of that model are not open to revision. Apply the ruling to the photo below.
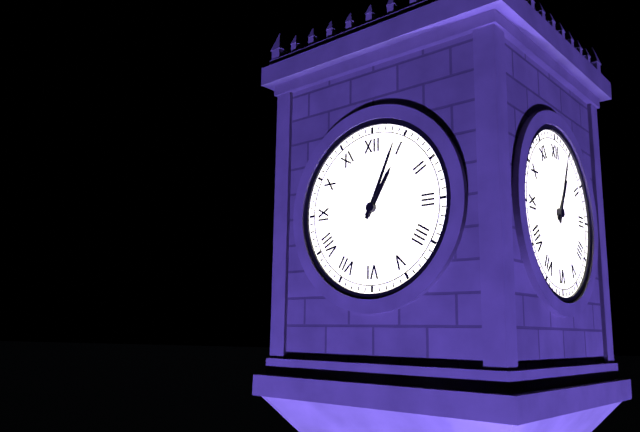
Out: 1h04
